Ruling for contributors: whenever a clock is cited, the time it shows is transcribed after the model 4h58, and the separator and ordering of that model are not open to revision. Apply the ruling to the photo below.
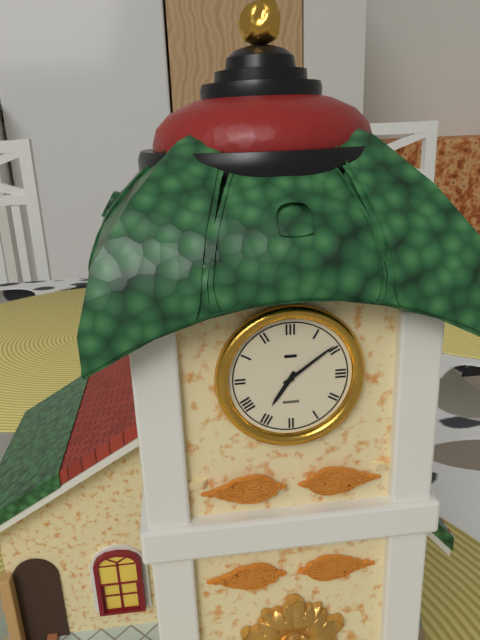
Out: 7h09
